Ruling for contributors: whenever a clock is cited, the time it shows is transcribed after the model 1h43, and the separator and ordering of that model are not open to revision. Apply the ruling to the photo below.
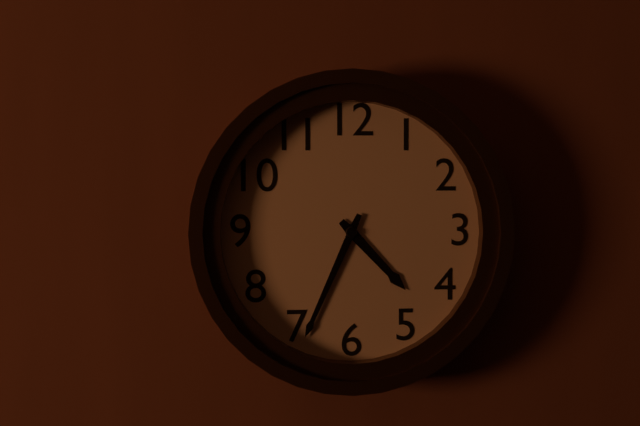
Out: 4h34
